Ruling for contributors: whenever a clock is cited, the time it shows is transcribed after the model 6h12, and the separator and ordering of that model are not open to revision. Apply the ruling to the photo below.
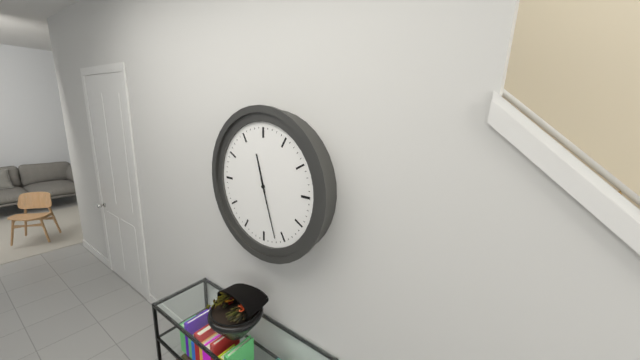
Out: 11h27
